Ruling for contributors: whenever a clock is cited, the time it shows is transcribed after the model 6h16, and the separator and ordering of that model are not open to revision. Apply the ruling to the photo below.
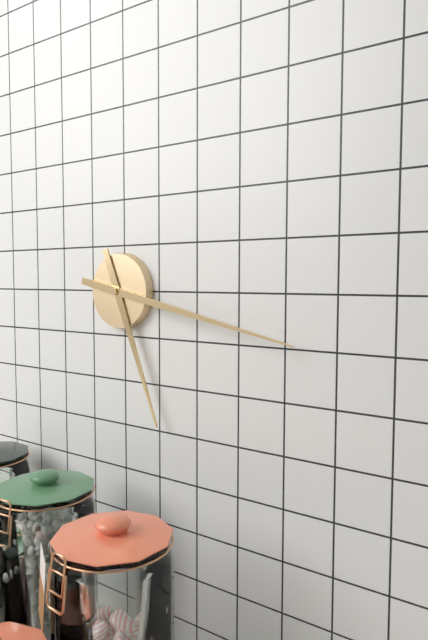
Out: 5h17
